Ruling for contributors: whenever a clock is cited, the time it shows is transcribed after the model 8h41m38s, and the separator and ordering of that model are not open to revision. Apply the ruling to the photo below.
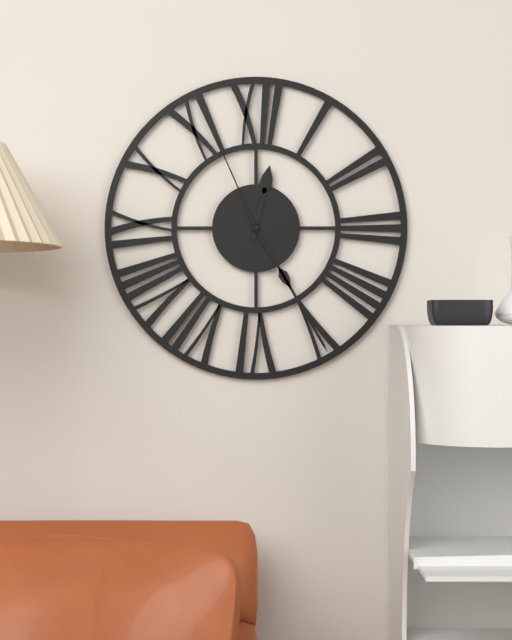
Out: 12h25m56s
